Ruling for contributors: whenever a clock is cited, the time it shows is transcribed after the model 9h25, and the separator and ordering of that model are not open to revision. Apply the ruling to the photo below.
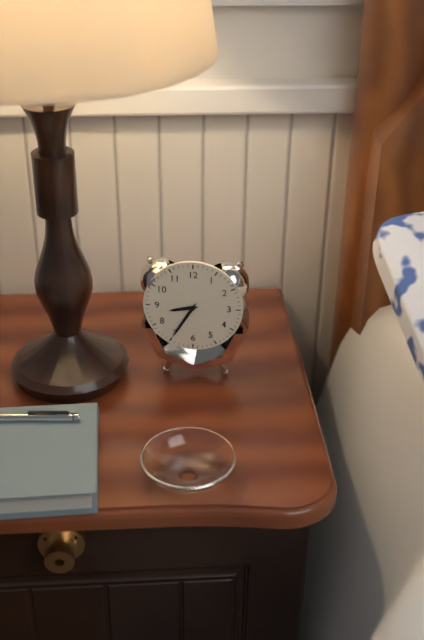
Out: 8h35
